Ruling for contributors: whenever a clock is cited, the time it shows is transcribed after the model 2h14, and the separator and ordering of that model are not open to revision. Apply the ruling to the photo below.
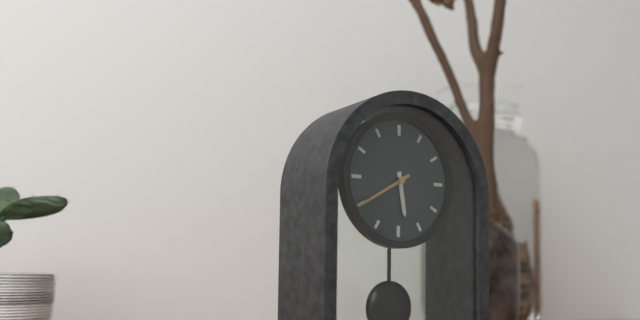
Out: 5h40
